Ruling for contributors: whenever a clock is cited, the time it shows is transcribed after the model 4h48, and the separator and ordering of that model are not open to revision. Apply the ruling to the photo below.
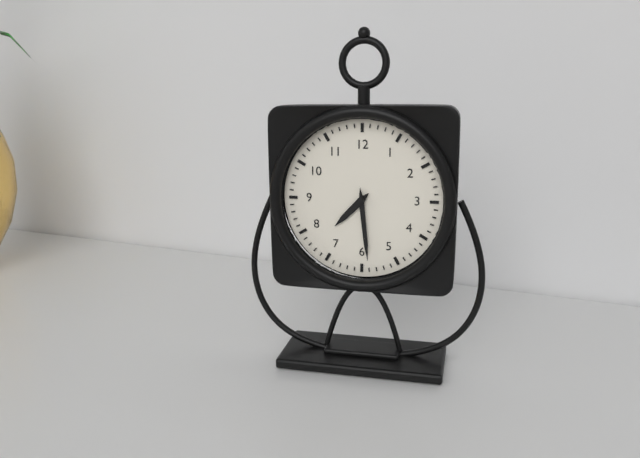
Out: 7h29
